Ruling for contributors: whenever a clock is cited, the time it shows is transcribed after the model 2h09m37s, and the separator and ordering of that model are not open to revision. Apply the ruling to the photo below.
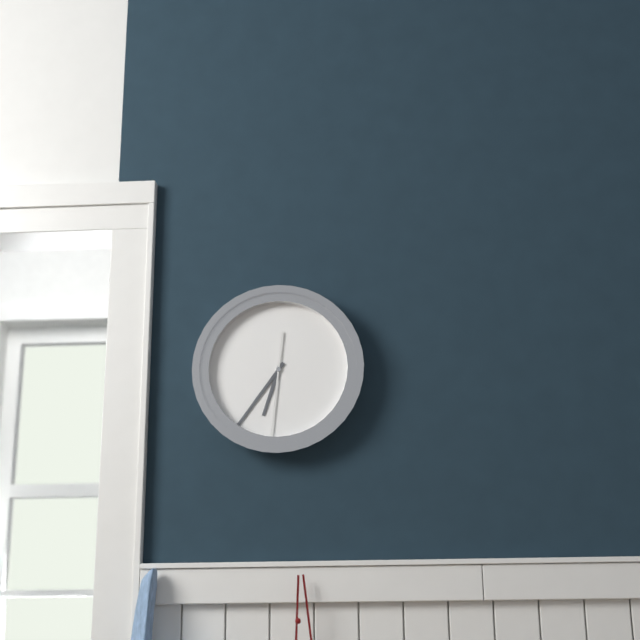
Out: 6h36m31s
